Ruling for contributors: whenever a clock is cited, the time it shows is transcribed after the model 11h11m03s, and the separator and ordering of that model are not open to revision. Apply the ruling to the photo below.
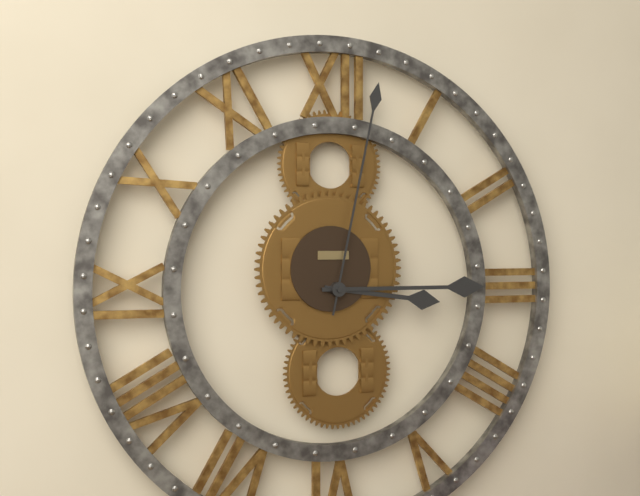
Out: 3h15m02s
